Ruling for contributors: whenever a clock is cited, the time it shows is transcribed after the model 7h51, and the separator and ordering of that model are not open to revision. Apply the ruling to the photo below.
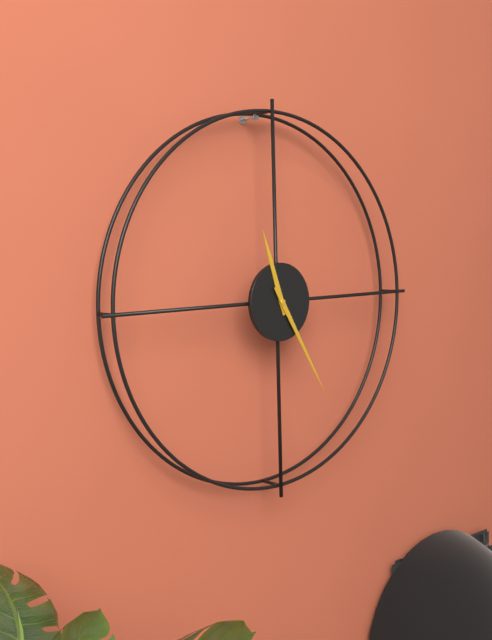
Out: 11h25
